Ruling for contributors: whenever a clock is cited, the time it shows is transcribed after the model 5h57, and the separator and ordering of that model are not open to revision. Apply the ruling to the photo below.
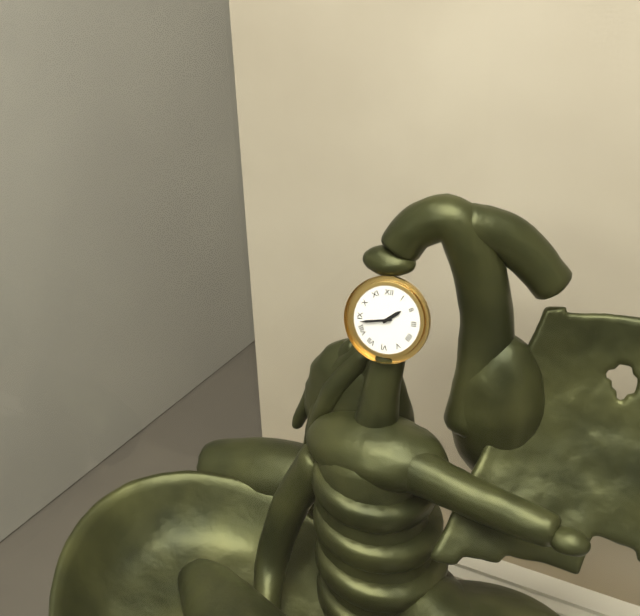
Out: 1h43
